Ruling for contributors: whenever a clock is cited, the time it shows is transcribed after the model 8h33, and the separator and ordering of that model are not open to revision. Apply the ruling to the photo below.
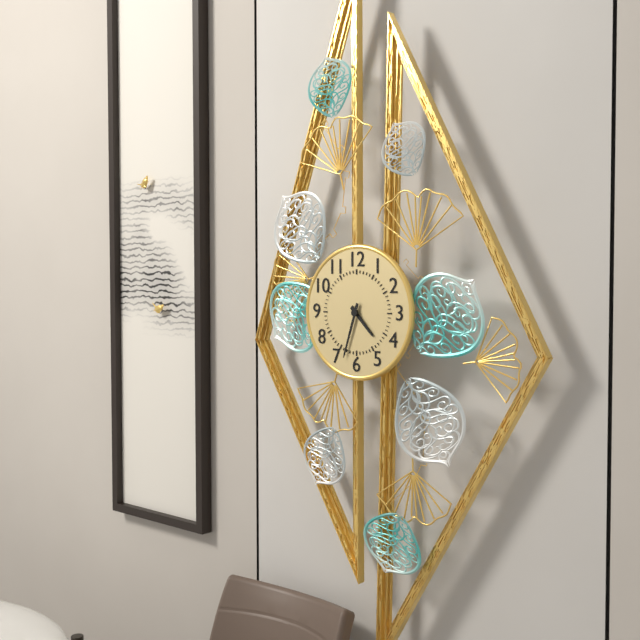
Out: 4h33
